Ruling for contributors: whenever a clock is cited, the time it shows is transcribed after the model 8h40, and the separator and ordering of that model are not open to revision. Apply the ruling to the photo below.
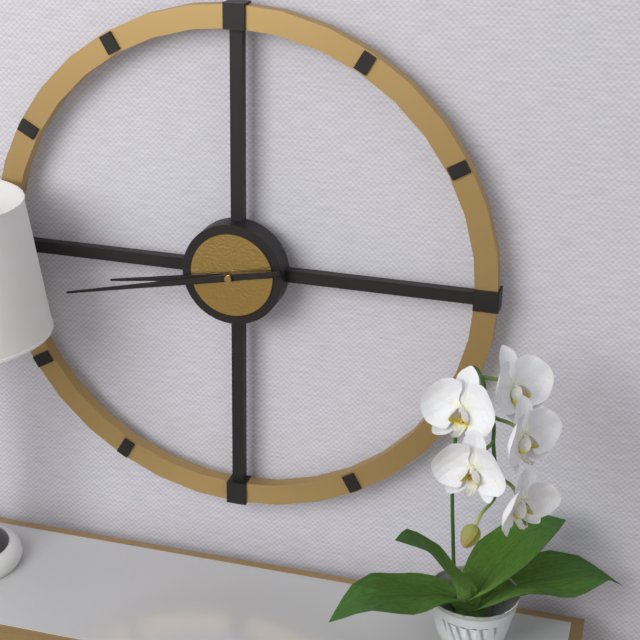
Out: 8h43
